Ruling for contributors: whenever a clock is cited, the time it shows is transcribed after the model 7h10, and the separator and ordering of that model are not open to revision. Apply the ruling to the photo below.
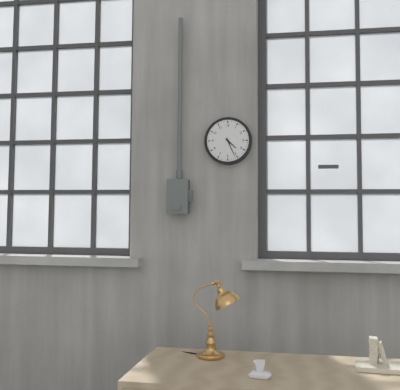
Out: 4h26
